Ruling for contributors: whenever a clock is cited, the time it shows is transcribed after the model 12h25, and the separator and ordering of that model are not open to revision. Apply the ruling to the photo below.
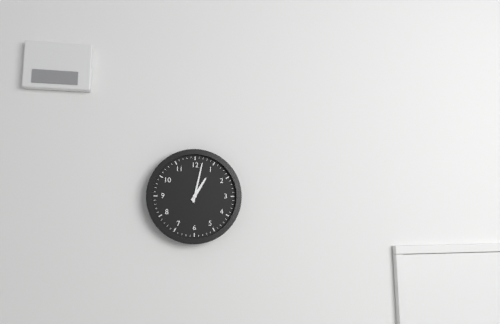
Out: 1h02
